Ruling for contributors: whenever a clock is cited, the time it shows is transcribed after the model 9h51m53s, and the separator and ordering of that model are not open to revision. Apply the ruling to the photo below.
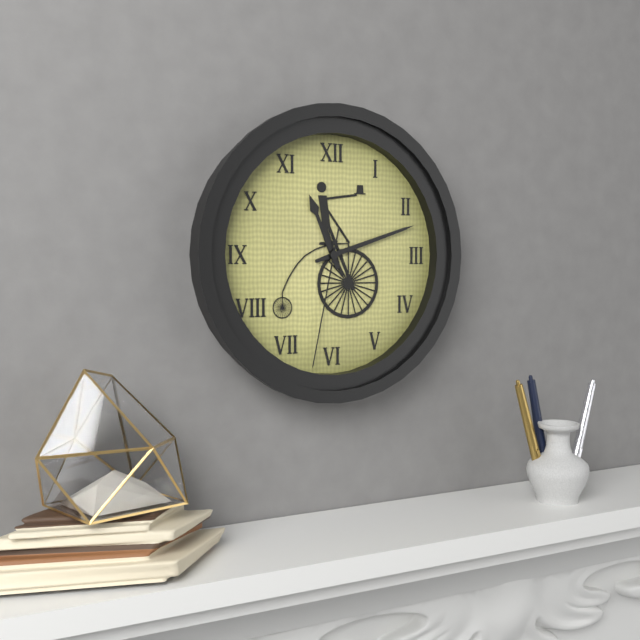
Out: 11h12m32s
